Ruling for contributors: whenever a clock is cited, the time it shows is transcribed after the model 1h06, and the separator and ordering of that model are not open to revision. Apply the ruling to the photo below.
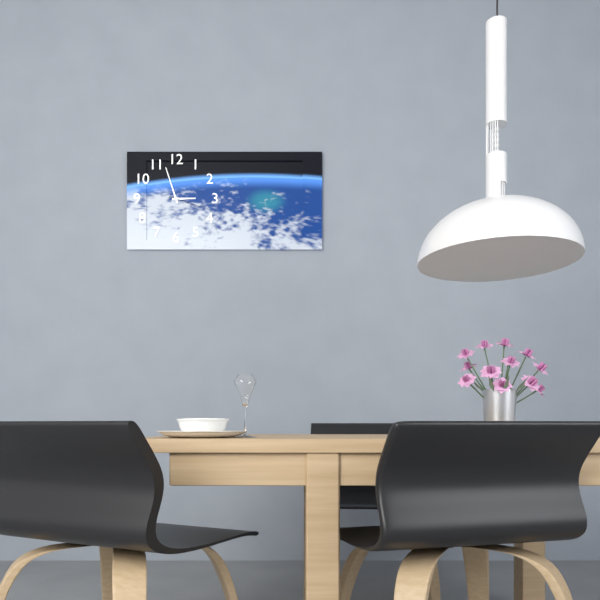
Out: 2h57
